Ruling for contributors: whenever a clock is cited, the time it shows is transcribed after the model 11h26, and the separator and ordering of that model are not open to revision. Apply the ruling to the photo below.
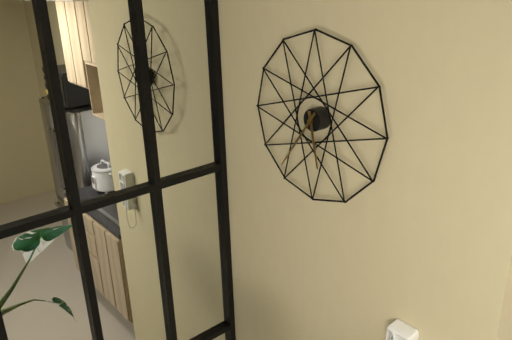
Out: 5h36
